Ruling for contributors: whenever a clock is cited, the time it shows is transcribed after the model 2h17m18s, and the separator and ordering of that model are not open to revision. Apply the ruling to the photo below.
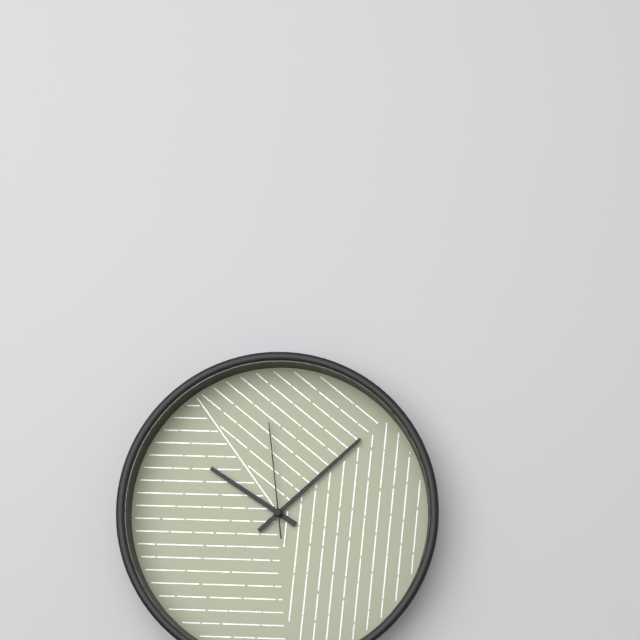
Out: 10h08m59s
